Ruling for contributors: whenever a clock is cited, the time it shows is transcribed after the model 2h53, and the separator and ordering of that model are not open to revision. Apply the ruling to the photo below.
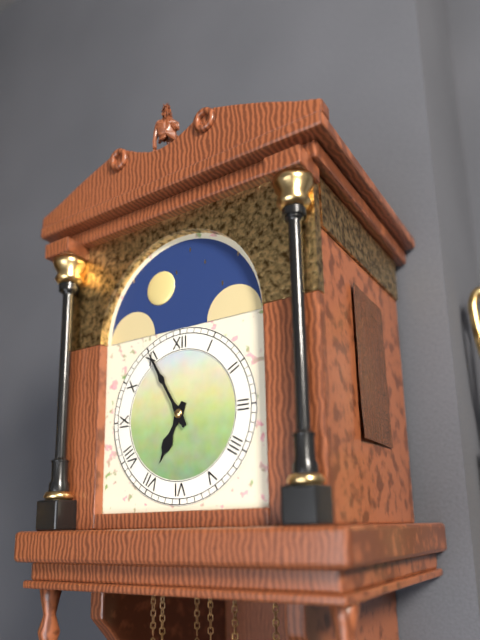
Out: 6h55
